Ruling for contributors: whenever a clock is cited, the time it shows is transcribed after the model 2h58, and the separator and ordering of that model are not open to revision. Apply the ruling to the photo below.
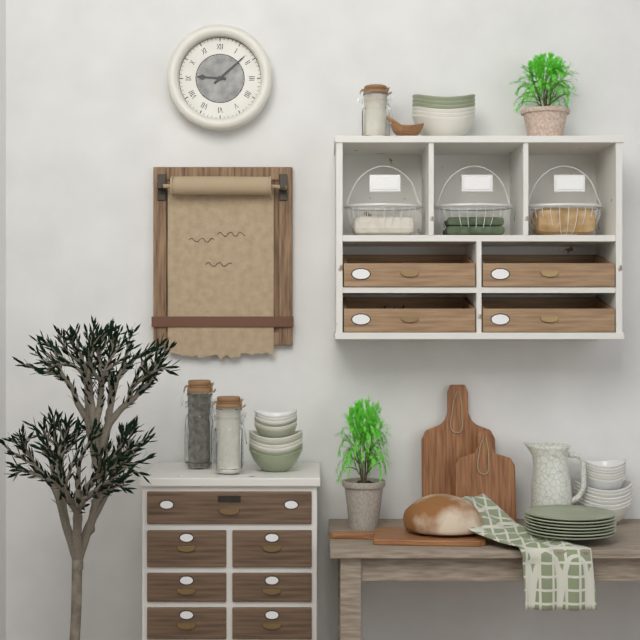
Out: 9h08
